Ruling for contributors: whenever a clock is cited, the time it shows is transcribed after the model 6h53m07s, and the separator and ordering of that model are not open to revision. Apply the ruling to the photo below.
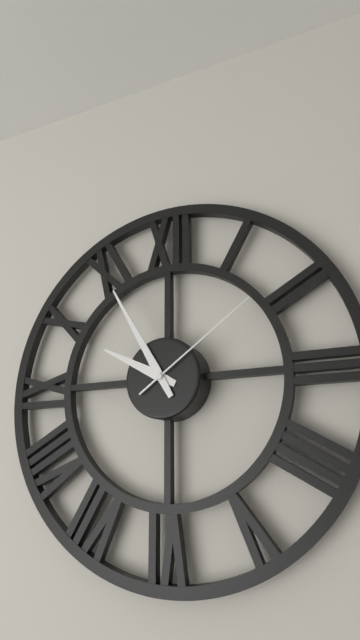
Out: 9h55m09s
